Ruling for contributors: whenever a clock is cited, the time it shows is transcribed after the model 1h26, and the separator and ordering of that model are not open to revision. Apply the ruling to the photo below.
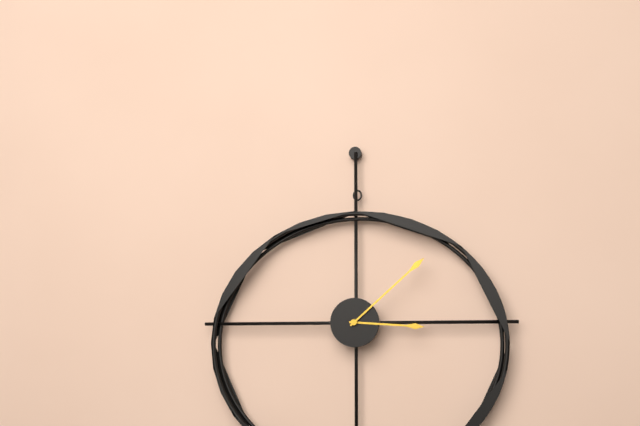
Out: 3h08
